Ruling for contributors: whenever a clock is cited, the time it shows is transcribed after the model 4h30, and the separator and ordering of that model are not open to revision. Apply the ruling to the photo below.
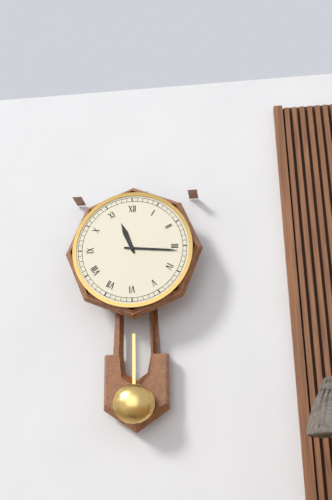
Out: 11h16
